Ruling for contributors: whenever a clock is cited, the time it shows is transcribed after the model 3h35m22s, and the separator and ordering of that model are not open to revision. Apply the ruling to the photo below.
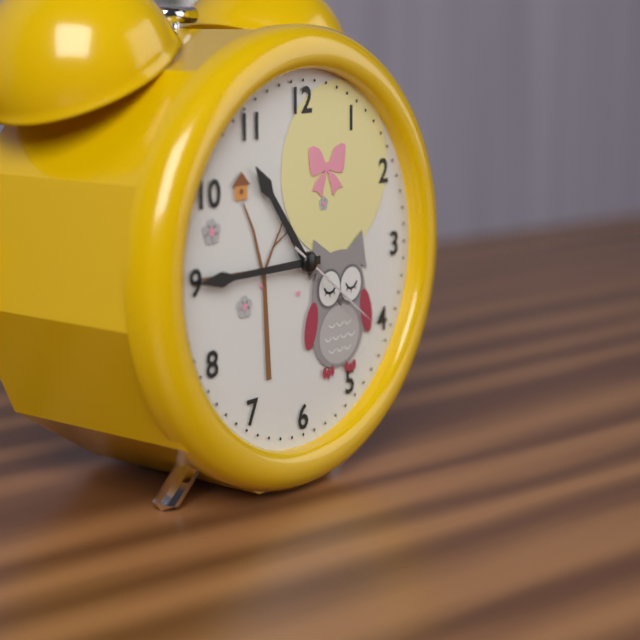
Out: 10h45m21s
